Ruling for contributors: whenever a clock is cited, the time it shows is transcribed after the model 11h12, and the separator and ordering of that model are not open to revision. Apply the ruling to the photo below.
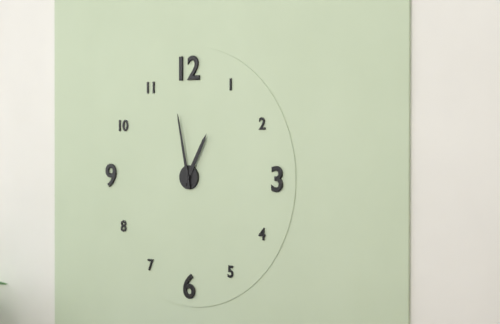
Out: 12h58
